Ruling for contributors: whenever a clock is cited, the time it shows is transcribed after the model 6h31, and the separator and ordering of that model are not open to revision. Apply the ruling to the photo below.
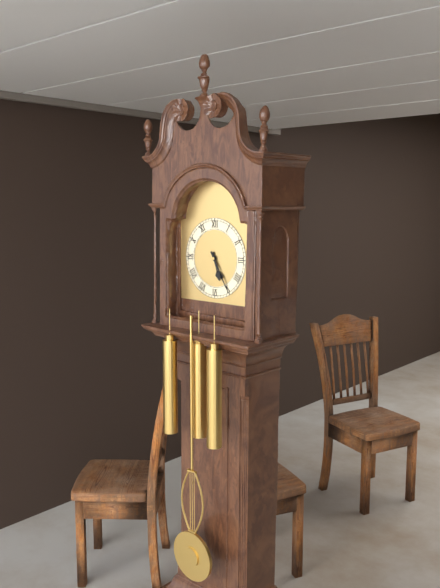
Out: 5h25
